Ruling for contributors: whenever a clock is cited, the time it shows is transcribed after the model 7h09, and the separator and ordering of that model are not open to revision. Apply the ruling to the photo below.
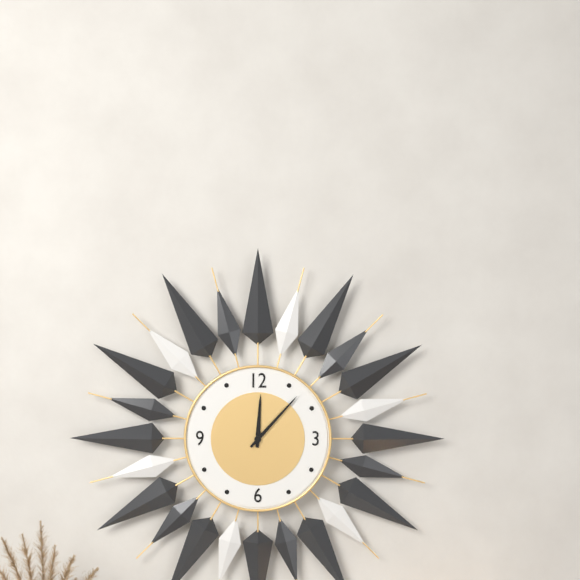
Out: 12h07
